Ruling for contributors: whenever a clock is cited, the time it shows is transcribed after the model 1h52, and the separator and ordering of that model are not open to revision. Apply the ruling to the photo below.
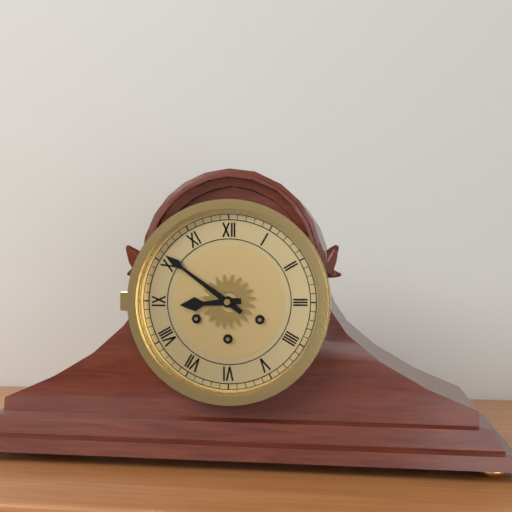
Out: 8h51
